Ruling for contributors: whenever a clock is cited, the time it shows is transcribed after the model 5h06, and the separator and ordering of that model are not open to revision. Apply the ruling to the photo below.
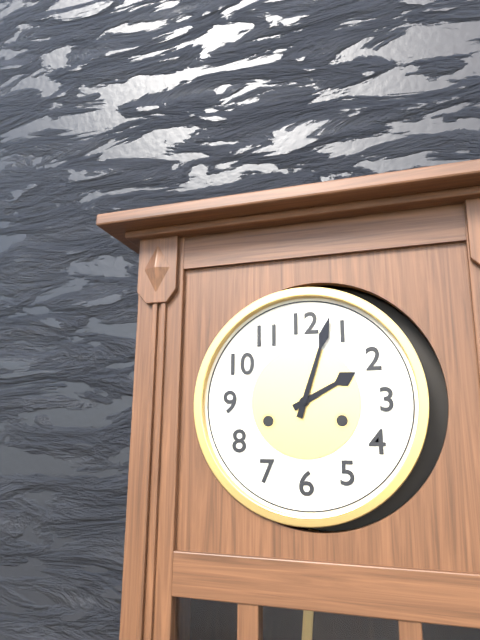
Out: 2h03
